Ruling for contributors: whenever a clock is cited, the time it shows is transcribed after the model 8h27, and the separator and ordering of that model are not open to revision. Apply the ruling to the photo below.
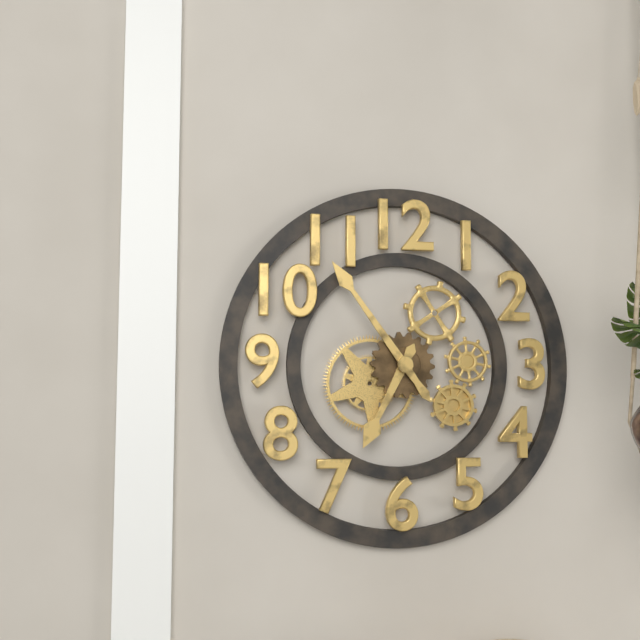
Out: 6h54
